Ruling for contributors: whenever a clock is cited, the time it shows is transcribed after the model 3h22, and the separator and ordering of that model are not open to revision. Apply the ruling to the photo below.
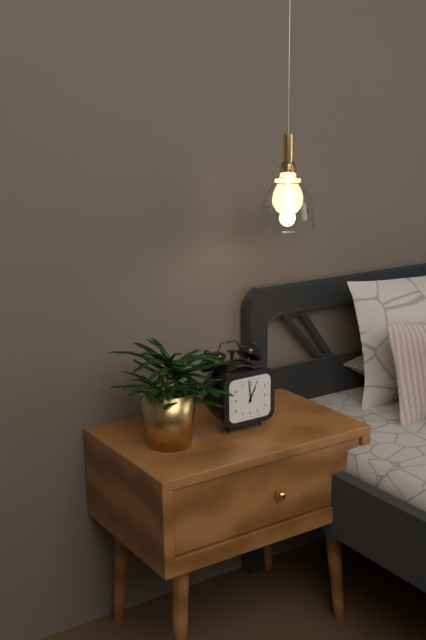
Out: 12h59
